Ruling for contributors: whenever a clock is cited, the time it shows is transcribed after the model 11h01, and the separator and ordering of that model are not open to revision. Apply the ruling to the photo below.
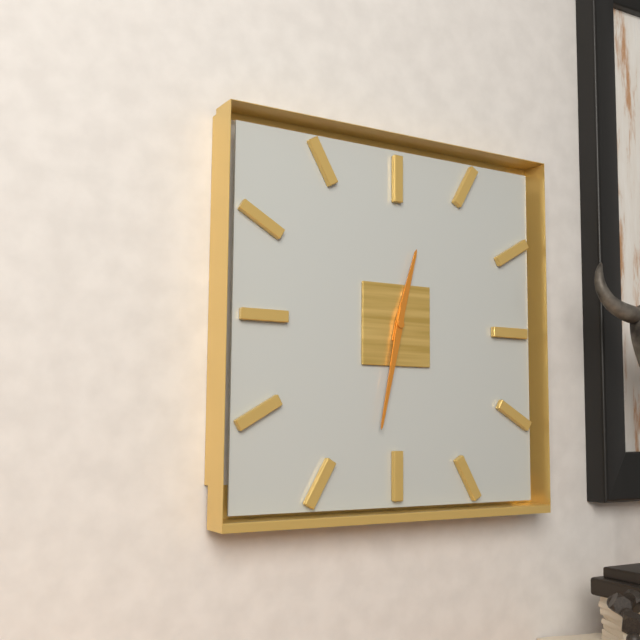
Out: 12h32
